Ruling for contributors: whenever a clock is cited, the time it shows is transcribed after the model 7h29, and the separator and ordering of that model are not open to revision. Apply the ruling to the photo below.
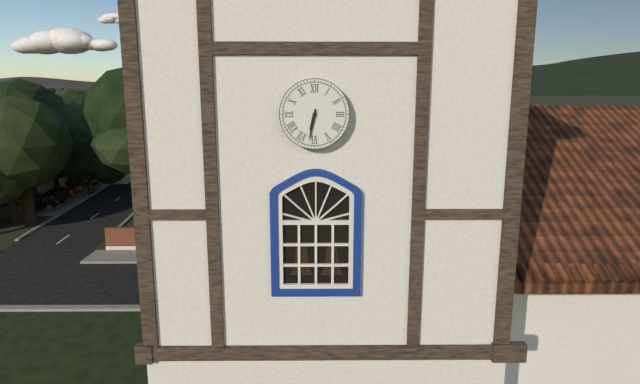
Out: 6h32
